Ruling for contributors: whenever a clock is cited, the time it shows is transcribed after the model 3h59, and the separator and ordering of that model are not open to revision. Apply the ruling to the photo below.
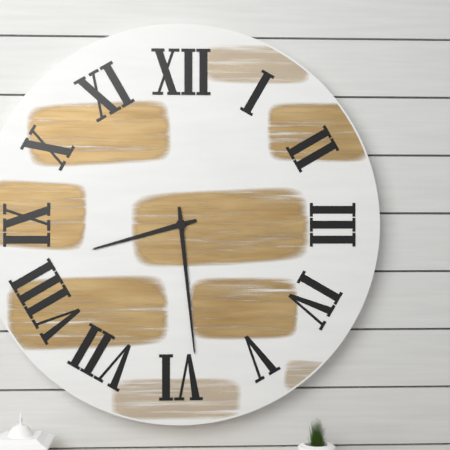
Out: 8h29
